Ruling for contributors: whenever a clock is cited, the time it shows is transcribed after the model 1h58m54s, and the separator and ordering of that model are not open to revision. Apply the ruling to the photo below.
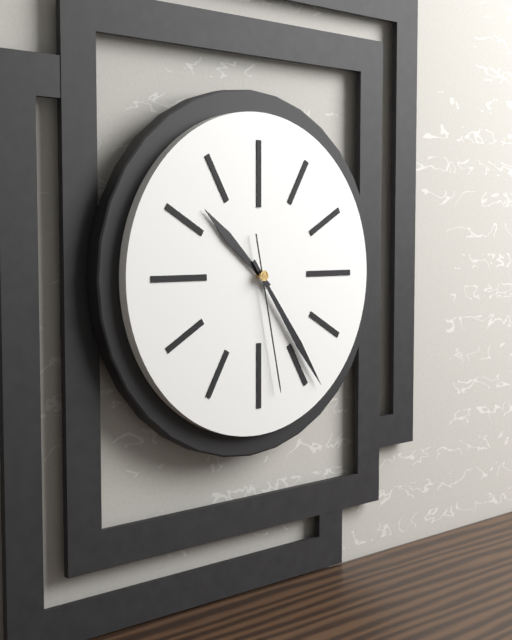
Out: 10h24m28s
